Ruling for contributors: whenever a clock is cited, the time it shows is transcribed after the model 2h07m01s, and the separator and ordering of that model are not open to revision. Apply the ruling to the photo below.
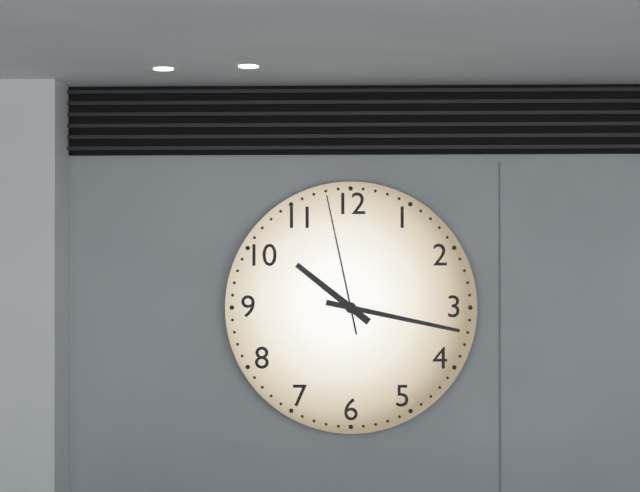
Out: 10h17m58s
